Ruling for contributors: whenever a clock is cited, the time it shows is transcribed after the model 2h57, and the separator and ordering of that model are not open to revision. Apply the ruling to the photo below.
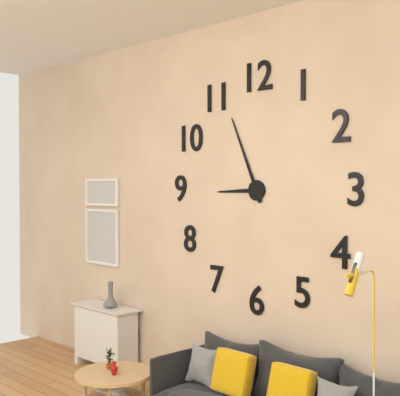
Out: 8h56
